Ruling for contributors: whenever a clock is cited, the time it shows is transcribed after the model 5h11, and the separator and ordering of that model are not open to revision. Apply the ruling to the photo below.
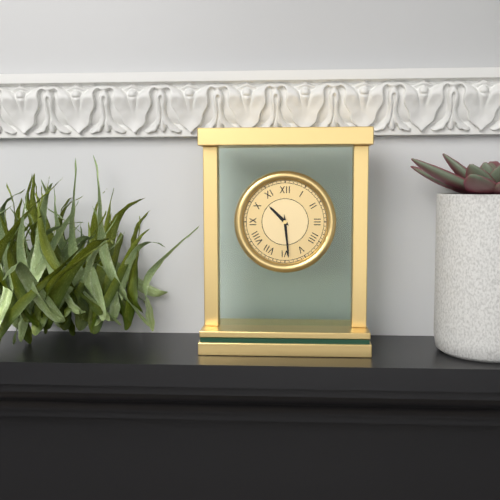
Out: 10h29
